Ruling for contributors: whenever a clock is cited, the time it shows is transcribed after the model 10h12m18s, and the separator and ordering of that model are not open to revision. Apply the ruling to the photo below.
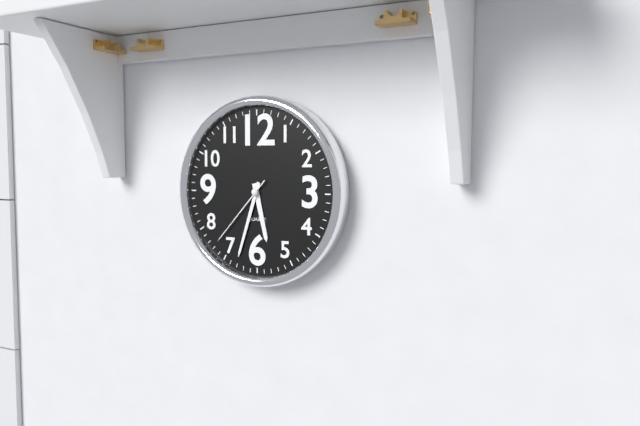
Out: 5h33m37s
